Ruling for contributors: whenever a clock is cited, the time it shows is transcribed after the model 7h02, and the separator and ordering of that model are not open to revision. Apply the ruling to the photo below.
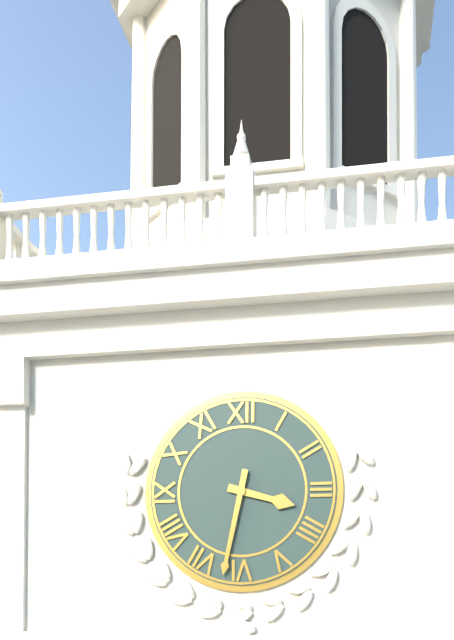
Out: 3h32
